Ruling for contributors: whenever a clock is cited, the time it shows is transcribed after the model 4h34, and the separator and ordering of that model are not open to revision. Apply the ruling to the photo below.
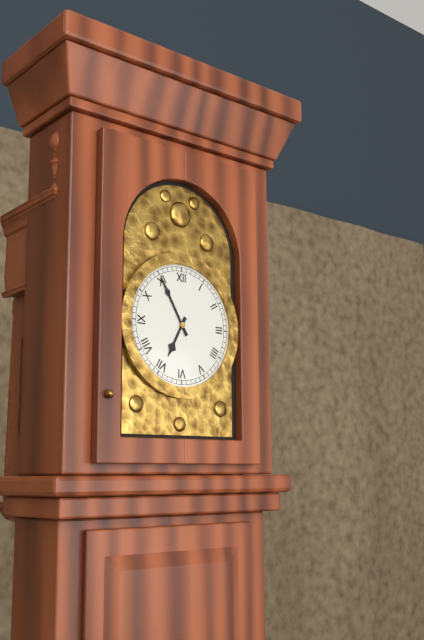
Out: 6h55
